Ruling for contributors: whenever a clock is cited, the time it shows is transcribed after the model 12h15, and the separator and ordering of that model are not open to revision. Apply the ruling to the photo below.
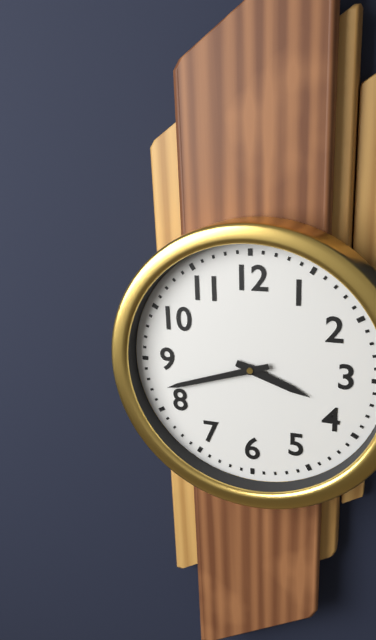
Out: 3h42
